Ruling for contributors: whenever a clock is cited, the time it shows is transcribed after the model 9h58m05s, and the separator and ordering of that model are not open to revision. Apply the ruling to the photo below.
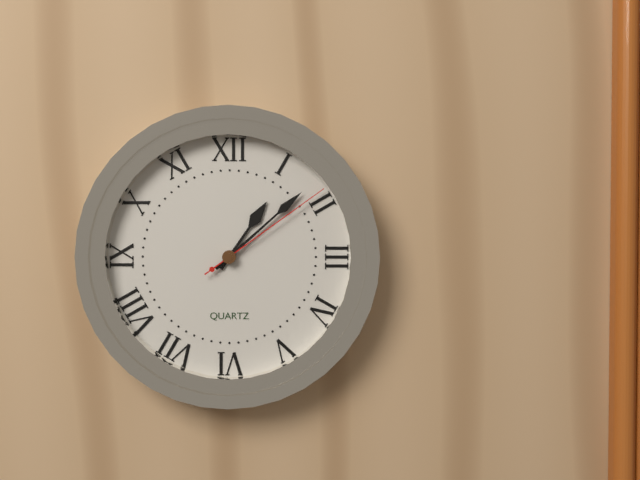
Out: 1h08m09s
